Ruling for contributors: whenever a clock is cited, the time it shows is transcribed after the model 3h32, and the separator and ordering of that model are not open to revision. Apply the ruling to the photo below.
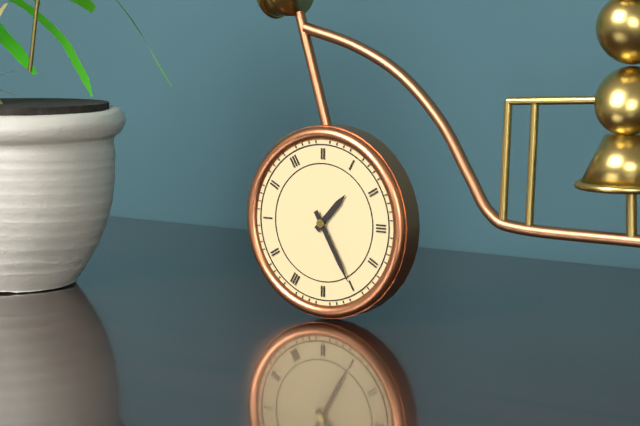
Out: 1h25
